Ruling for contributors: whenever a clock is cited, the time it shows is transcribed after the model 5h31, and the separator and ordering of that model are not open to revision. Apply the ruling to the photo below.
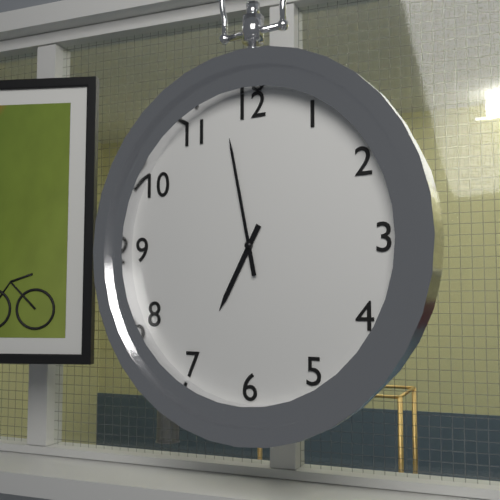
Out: 6h58
